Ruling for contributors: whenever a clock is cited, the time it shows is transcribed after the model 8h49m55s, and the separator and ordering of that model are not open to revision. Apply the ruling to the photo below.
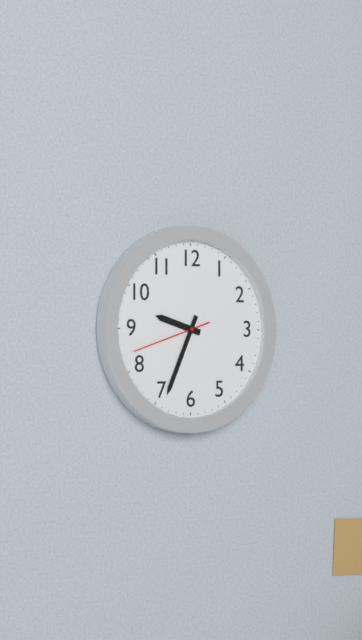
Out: 9h34m42s
